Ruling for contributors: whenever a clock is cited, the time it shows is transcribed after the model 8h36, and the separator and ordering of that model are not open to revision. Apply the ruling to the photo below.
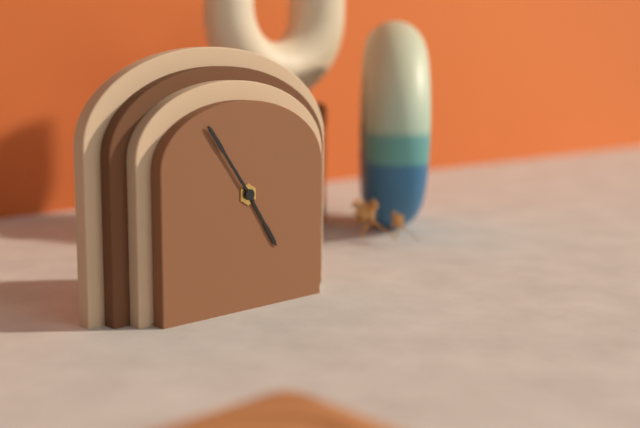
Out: 4h54
